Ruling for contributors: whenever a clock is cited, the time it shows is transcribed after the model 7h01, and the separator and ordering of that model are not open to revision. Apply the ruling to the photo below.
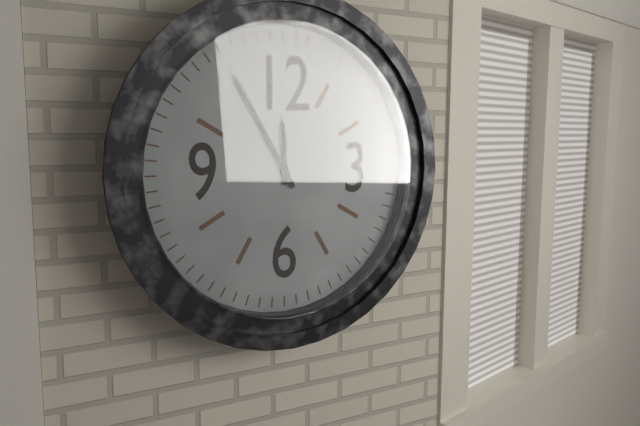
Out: 11h55
